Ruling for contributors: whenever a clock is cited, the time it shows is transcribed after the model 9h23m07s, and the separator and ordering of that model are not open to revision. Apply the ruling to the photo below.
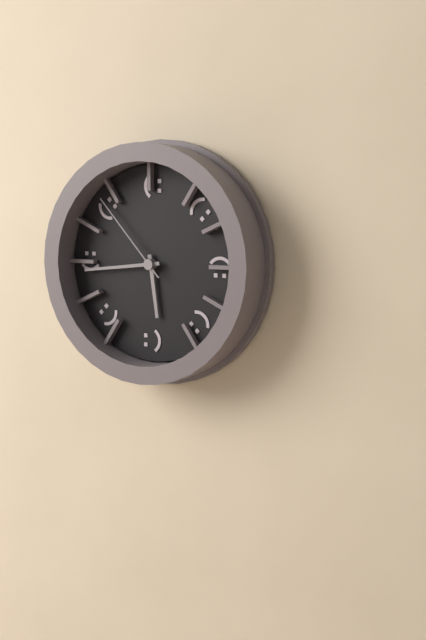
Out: 5h44m53s
